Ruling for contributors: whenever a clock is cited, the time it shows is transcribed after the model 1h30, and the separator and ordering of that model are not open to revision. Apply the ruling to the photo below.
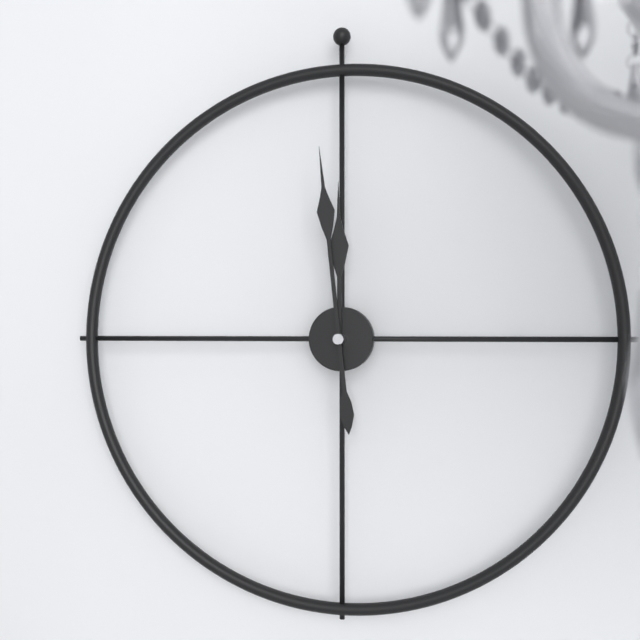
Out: 11h59
